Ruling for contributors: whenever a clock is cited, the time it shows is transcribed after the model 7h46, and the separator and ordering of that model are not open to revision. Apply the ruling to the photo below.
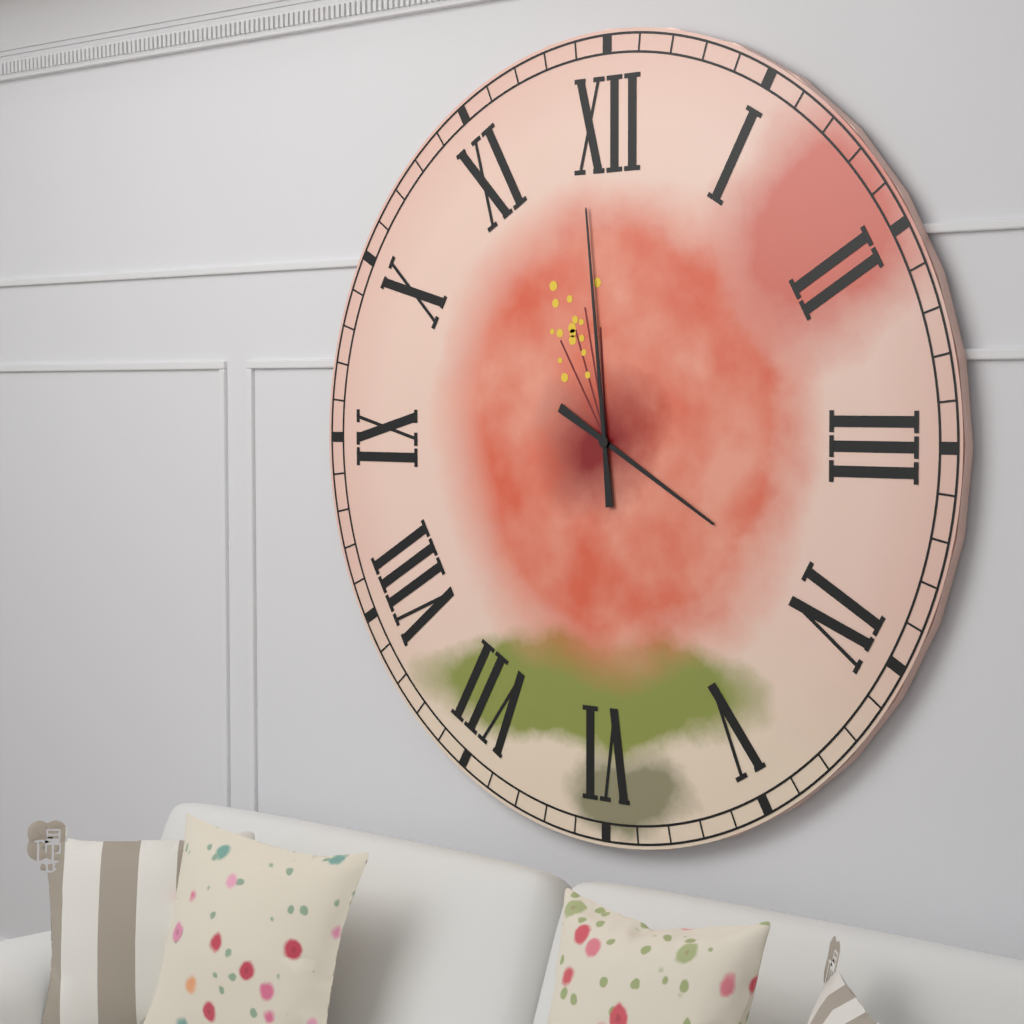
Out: 3h59
